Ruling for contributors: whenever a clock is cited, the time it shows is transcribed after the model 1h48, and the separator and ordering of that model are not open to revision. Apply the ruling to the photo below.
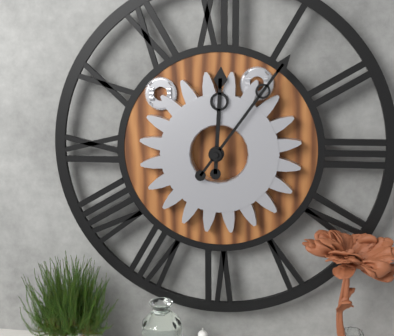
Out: 12h06
